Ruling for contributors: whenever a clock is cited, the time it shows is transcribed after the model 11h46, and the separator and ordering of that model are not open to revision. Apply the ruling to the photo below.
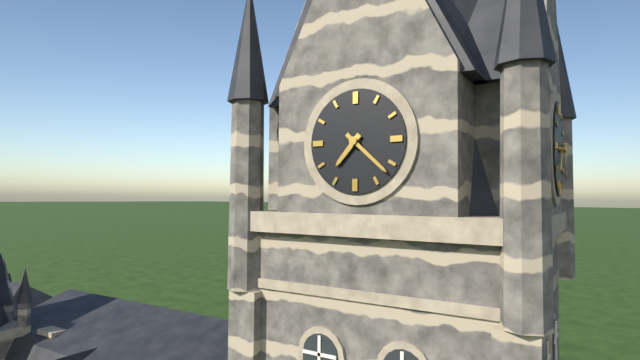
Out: 7h22
